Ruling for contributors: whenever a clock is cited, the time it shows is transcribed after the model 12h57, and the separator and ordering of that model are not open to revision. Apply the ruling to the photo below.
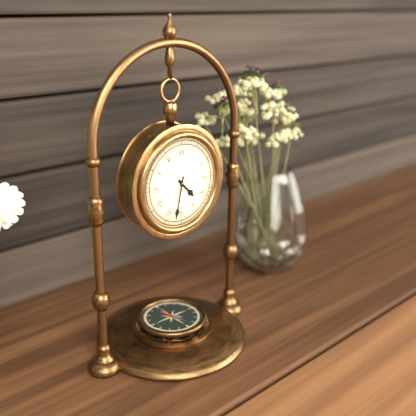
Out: 4h32
